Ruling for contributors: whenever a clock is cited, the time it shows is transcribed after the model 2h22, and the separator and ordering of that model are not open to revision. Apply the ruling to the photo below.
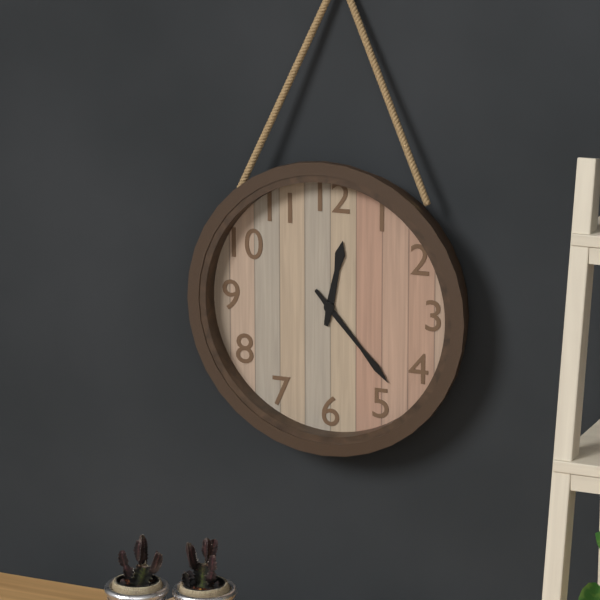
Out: 12h23
